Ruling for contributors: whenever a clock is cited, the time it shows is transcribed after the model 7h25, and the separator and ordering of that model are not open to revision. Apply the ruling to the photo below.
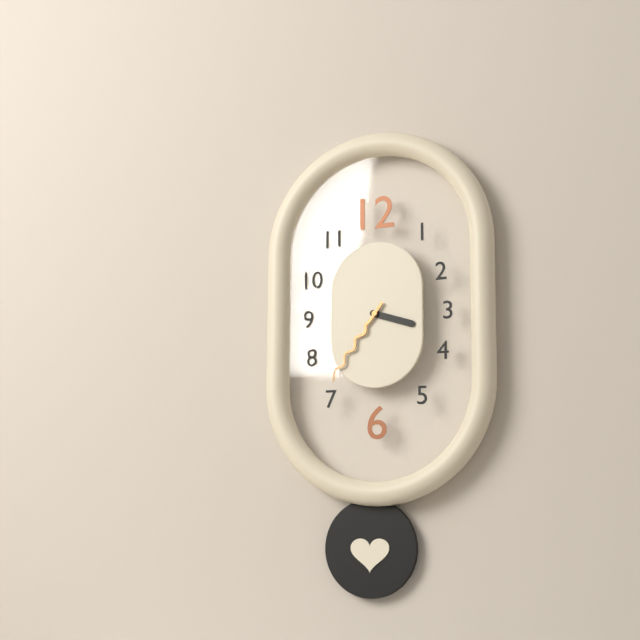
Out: 3h36
